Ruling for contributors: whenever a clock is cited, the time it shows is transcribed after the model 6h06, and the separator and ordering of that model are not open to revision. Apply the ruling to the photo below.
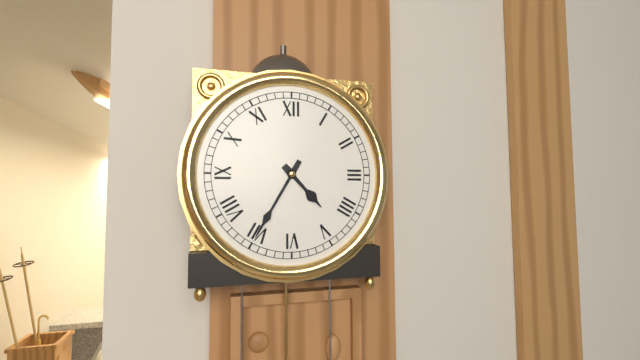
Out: 4h35
